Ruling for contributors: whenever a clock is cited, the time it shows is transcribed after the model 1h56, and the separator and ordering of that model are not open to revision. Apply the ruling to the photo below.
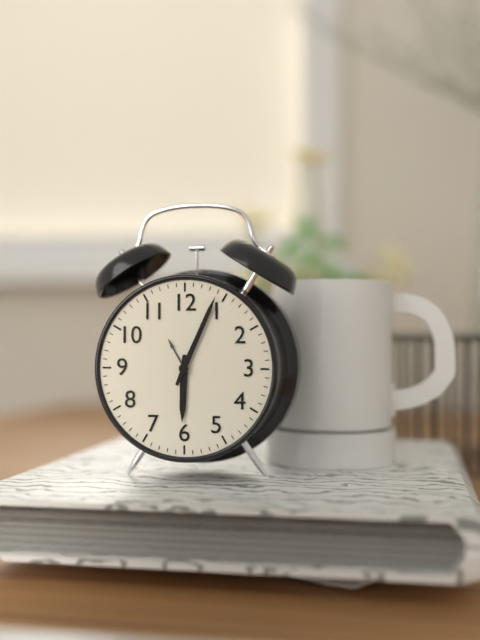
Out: 6h04
